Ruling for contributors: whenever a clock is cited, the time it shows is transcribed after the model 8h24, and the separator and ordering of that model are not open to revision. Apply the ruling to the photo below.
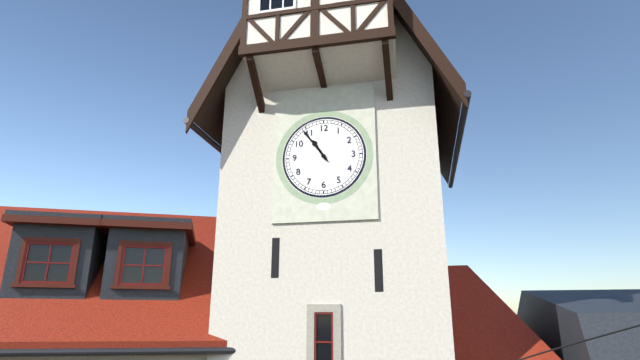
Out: 10h54
